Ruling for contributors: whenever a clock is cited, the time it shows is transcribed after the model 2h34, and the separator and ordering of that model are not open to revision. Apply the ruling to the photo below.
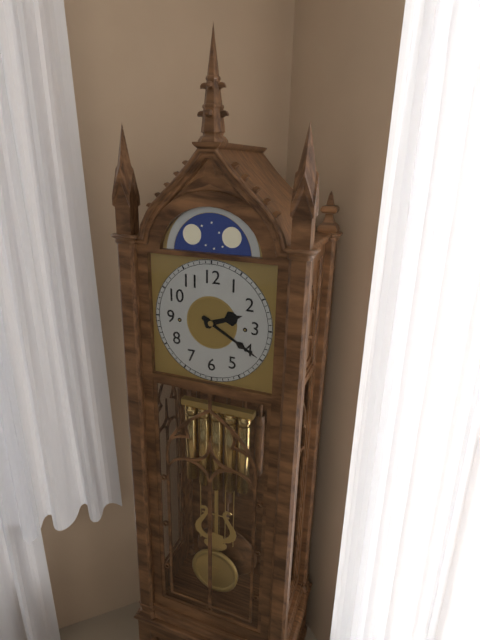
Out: 2h20
